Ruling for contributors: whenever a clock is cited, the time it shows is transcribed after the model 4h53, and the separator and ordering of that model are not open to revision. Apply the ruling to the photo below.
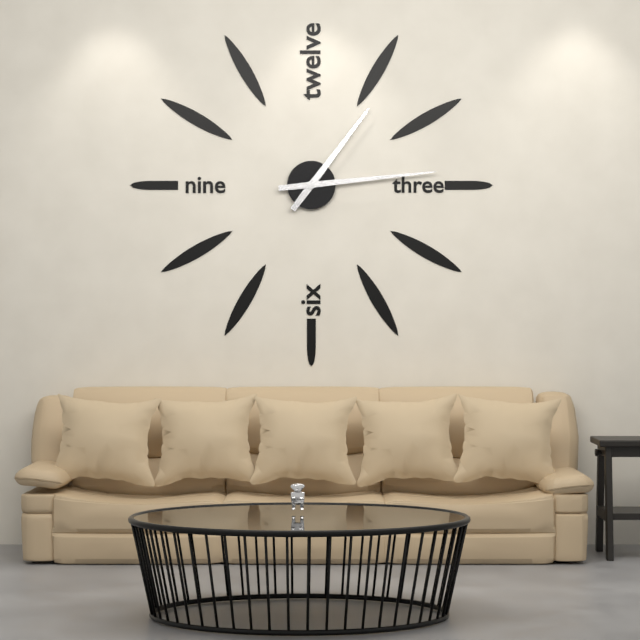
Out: 1h14
